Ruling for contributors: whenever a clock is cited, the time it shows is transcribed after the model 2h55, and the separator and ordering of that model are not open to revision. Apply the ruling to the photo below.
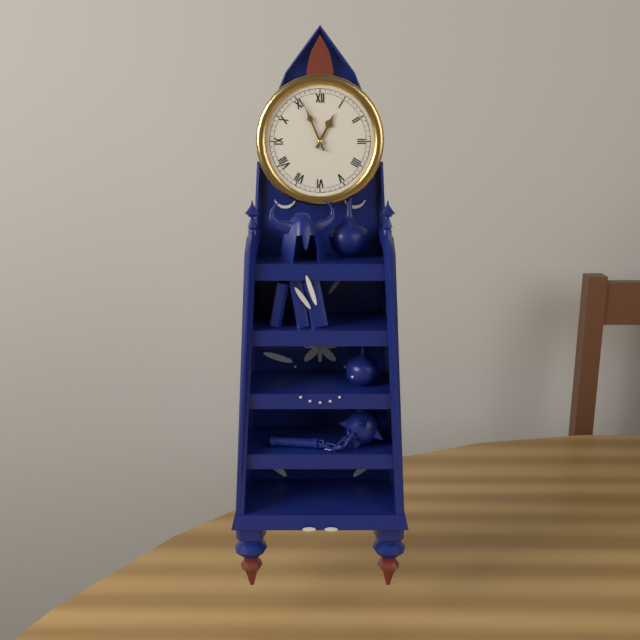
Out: 12h56
